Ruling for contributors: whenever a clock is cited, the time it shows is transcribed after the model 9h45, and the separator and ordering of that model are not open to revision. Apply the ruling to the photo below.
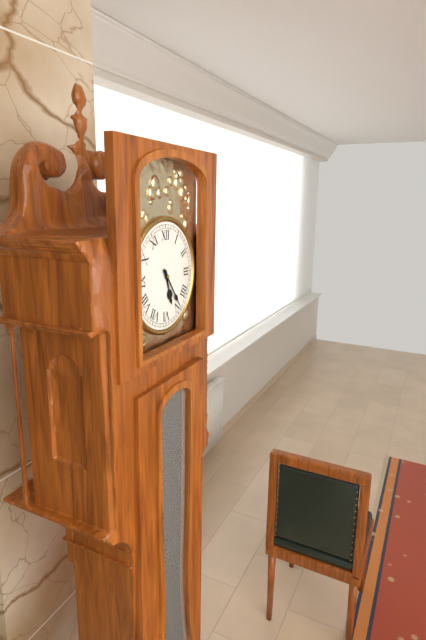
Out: 5h24
